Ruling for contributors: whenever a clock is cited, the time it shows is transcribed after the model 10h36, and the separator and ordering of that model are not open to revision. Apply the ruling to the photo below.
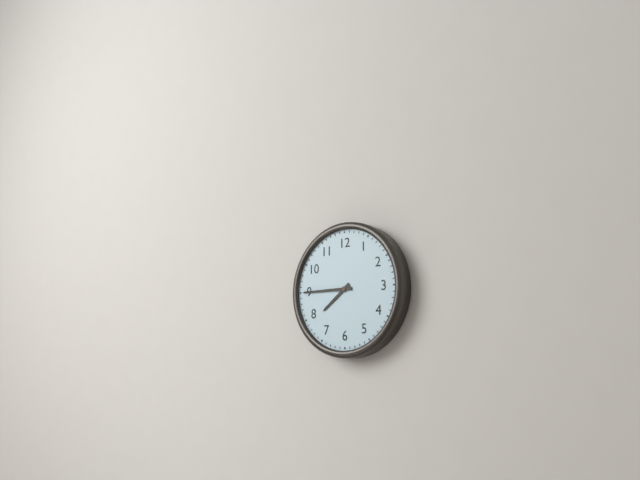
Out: 7h45
